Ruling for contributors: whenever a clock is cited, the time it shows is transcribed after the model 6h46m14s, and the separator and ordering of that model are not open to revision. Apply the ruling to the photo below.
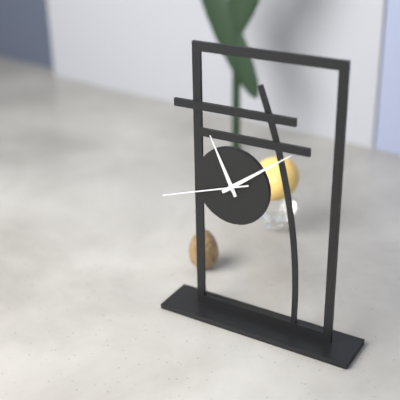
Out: 11h09m42s
